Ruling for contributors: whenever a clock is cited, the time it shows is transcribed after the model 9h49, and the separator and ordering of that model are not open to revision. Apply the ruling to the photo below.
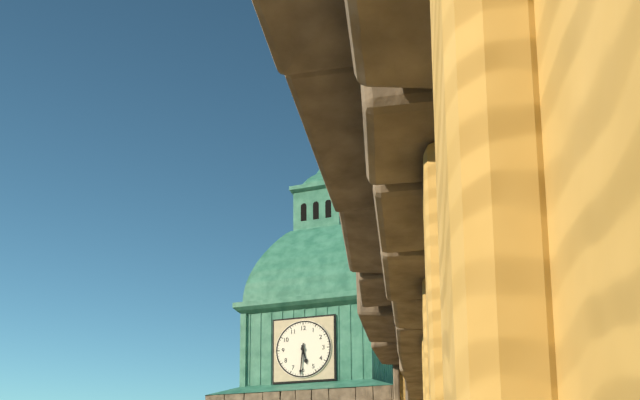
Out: 5h31
